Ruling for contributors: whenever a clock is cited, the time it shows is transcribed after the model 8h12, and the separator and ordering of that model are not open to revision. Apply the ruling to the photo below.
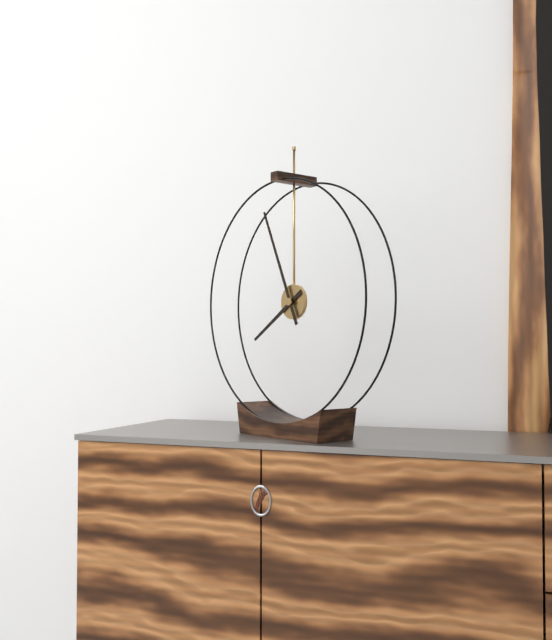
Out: 7h56
